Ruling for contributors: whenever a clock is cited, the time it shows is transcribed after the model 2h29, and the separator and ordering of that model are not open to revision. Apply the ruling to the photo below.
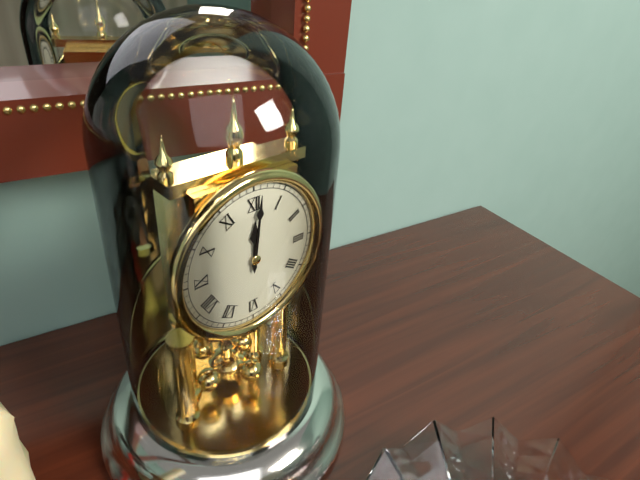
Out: 12h01
